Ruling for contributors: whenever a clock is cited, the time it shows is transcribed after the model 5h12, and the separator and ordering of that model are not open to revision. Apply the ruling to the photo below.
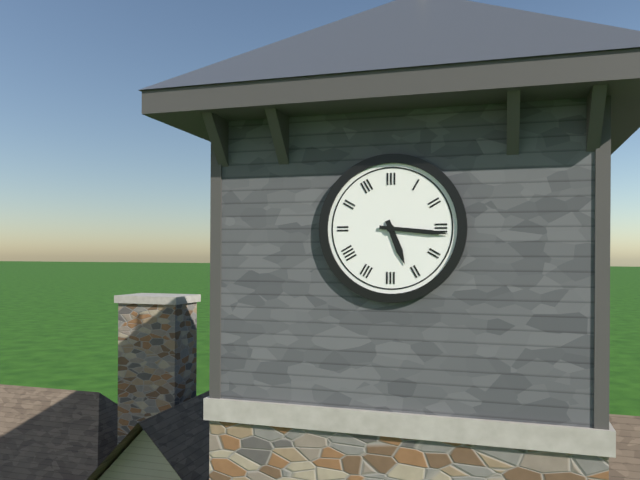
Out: 5h16
